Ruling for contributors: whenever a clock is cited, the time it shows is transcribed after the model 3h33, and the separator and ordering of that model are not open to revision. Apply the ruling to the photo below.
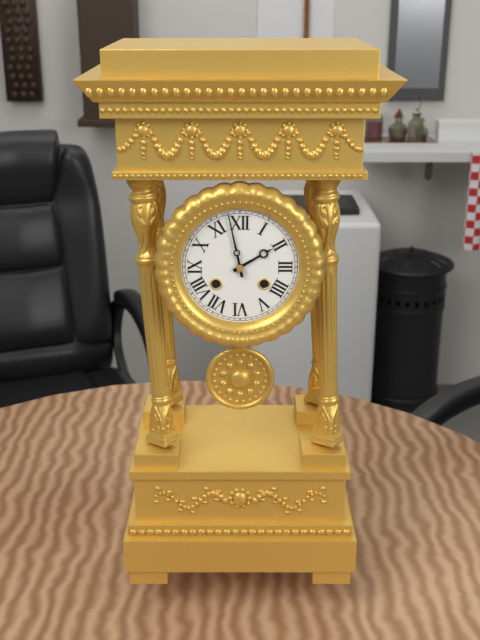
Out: 1h58
